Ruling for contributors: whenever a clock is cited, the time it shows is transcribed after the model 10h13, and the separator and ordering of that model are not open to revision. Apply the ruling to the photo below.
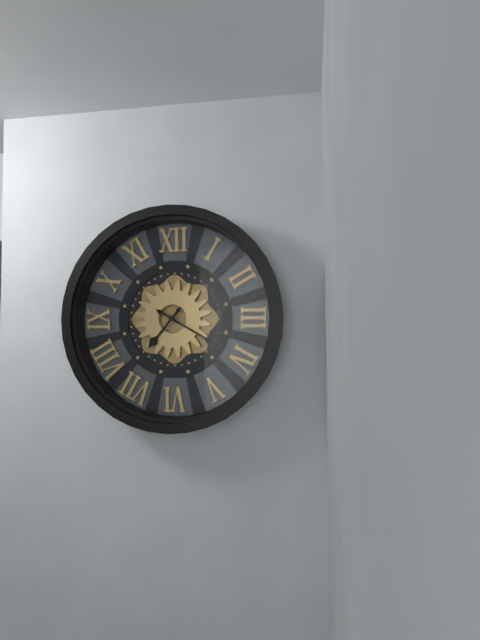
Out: 7h20
